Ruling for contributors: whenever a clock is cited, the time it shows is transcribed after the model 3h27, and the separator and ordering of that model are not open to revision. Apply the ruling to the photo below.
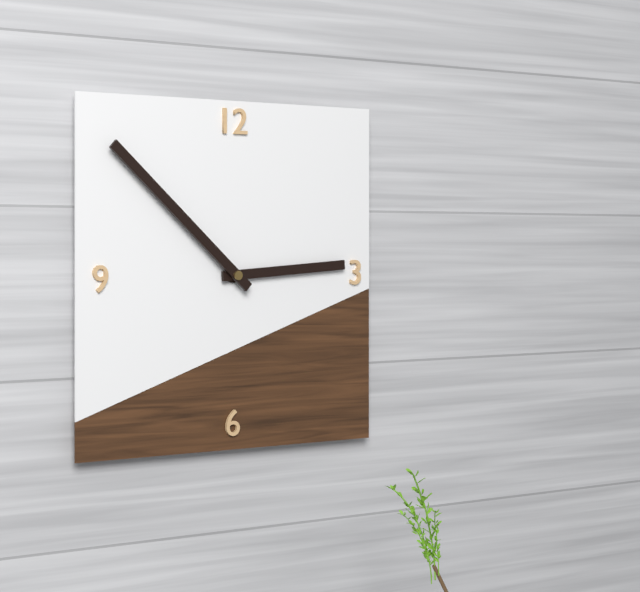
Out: 2h52
